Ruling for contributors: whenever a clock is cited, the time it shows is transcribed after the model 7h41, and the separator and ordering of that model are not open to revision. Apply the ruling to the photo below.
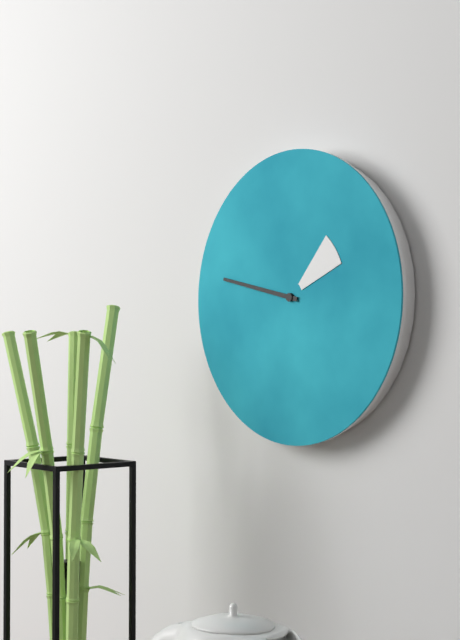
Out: 1h47
